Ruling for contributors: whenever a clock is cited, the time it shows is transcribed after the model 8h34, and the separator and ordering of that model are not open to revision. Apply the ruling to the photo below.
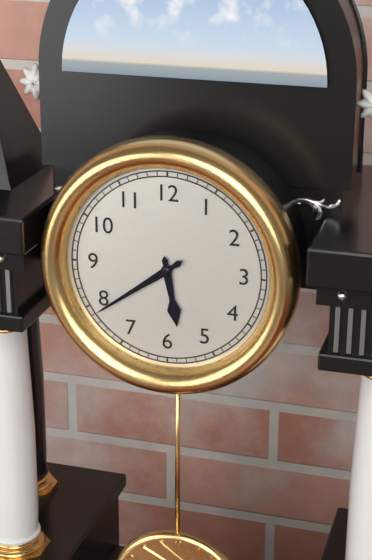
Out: 5h39
